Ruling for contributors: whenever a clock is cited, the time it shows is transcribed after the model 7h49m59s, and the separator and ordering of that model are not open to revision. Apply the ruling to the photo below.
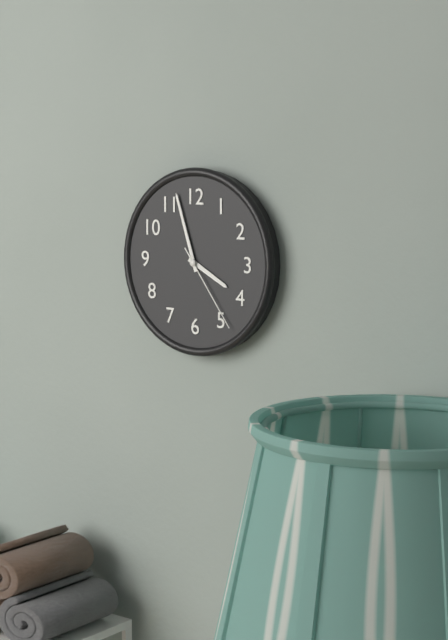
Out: 3h57m24s
